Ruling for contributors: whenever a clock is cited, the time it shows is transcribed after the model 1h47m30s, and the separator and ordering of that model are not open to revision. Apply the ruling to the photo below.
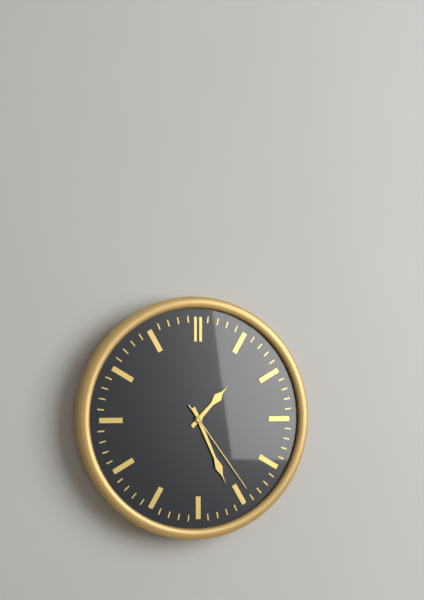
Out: 1h26m24s
